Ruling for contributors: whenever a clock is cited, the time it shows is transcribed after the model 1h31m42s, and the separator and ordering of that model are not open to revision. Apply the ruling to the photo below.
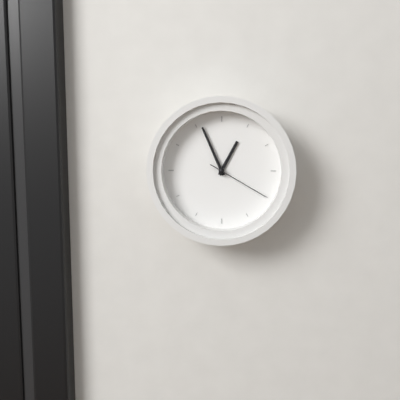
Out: 12h56m20s
